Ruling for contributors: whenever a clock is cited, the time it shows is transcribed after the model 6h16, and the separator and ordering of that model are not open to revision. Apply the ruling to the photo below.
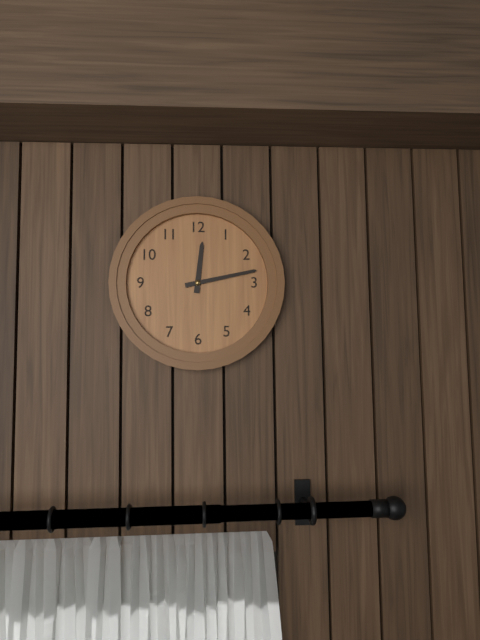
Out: 12h13
